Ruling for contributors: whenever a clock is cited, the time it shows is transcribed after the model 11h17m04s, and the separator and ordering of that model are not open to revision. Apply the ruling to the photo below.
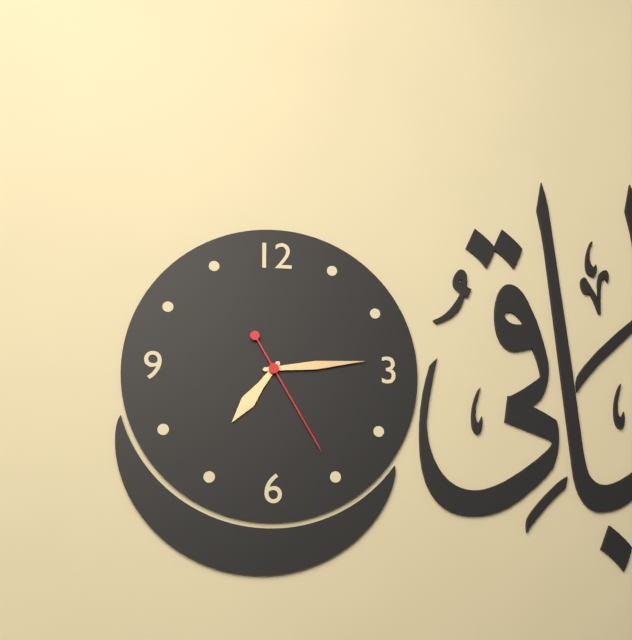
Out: 7h14m25s
